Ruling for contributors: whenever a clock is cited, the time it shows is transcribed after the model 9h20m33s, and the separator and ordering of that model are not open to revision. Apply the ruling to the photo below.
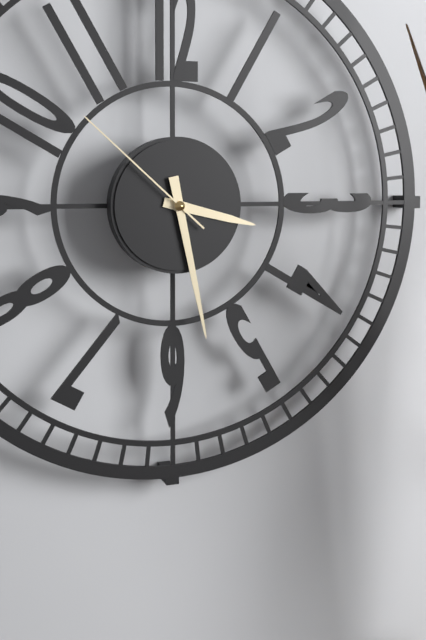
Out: 3h28m52s
